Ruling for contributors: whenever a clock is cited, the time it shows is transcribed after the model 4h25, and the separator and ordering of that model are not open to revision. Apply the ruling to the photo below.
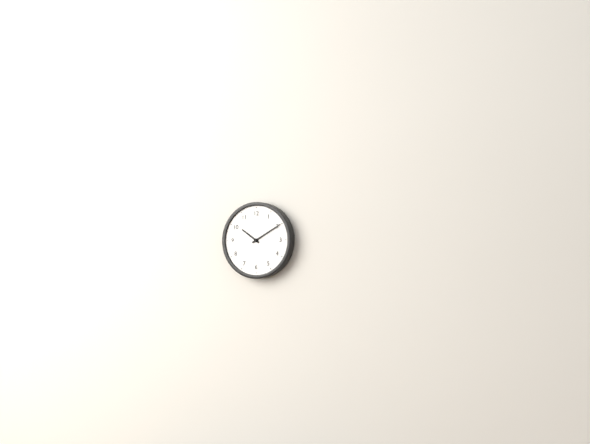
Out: 10h10
